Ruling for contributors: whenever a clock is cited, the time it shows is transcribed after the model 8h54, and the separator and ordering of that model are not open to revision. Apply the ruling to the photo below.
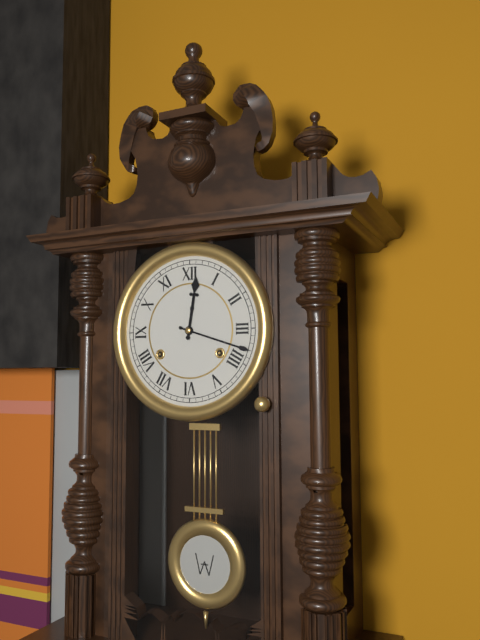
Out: 12h18
